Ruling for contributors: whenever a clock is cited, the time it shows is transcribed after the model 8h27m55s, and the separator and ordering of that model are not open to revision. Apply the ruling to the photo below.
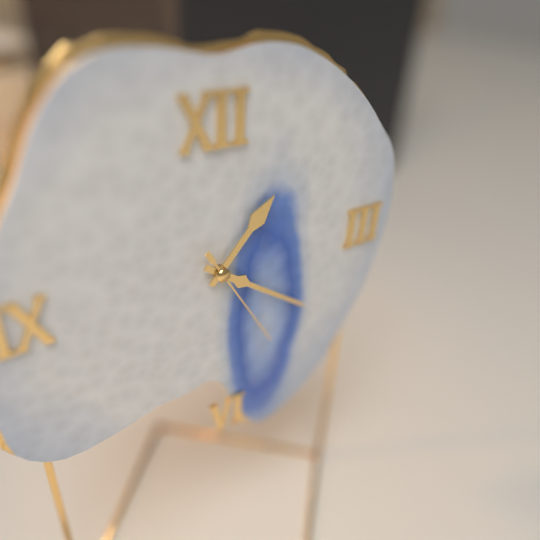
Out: 1h21m25s
